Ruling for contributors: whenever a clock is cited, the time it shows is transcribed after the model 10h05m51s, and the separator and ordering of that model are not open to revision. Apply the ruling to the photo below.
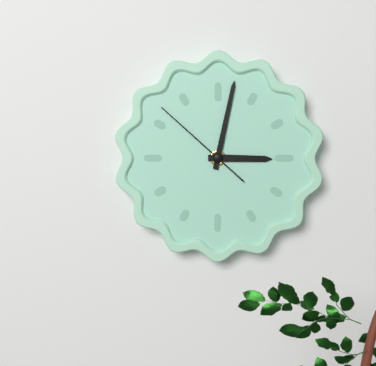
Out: 3h02m52s
